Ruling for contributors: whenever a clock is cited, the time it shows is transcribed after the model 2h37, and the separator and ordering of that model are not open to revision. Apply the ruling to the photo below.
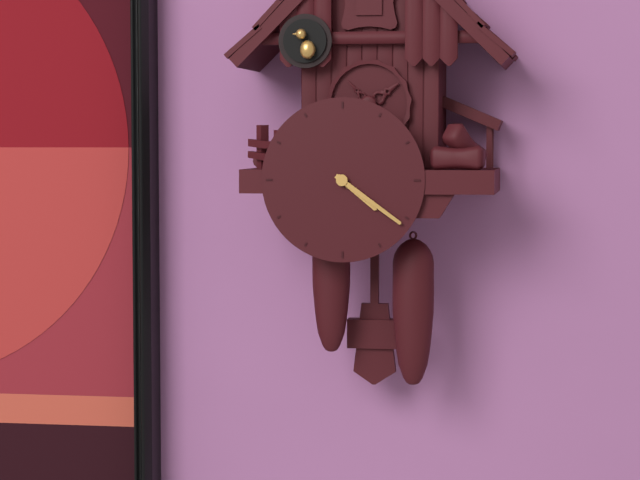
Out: 4h21
